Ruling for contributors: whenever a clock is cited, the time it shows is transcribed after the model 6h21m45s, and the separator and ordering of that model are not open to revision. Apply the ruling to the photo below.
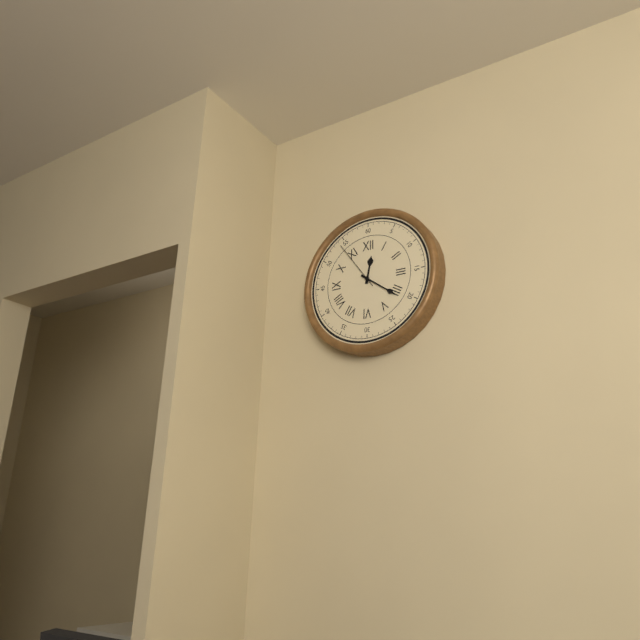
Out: 12h21m54s
